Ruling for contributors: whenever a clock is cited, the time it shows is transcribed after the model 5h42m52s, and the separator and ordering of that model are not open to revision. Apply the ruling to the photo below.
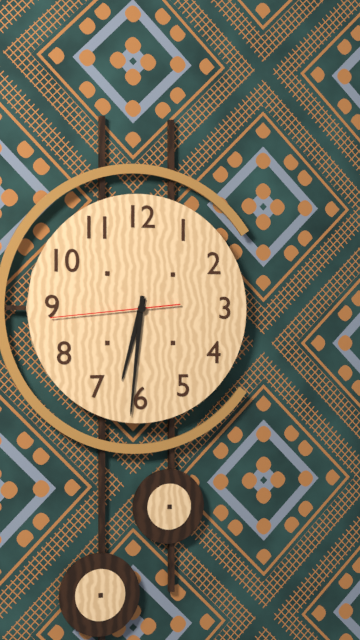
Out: 6h31m44s
